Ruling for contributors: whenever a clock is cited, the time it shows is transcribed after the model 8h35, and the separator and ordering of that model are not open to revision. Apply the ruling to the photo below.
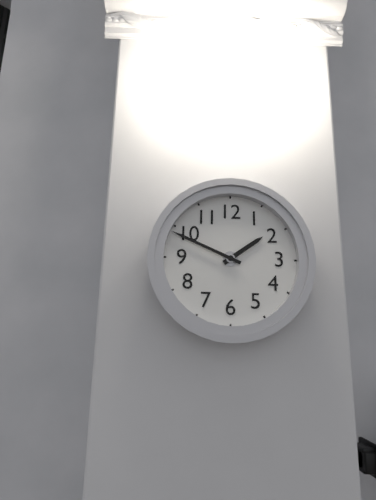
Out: 1h49
